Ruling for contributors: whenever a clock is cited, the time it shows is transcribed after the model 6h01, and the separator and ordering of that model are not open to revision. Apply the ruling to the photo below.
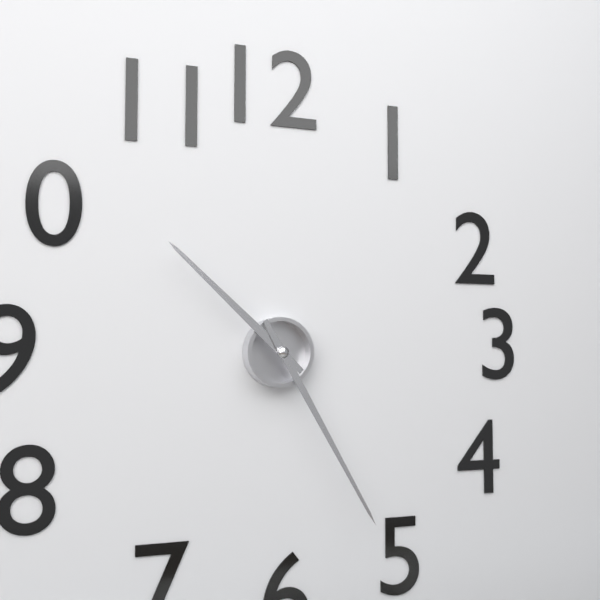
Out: 10h25
